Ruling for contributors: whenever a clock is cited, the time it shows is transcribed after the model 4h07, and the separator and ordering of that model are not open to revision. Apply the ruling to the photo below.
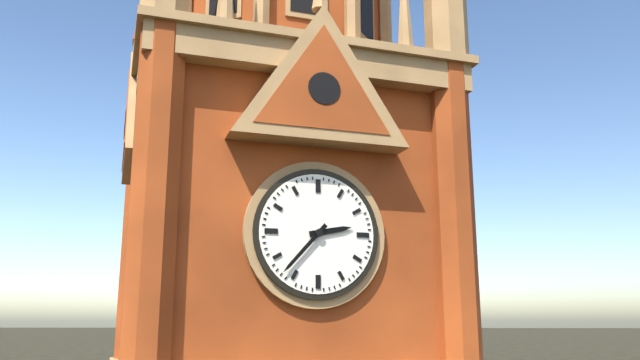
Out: 2h37
